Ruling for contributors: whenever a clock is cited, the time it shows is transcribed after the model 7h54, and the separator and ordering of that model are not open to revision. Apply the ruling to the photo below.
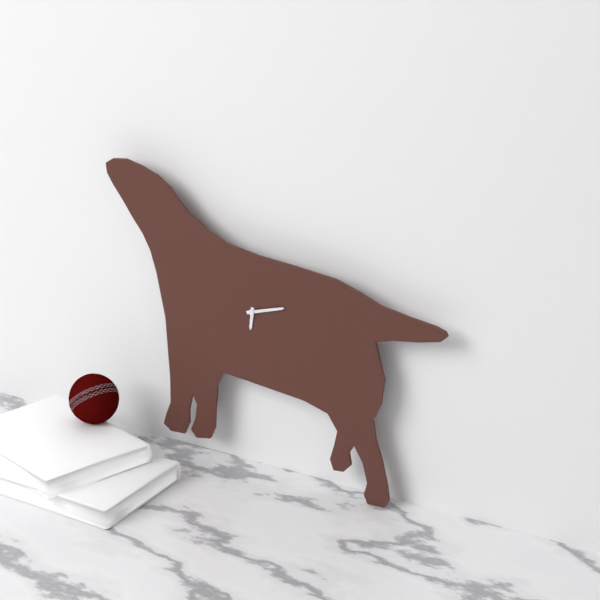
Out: 6h12
